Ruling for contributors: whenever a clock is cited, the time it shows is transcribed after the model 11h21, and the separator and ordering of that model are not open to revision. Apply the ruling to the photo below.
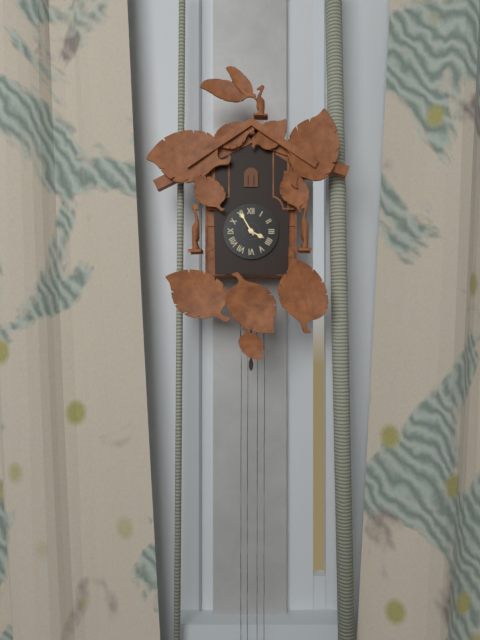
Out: 3h55
